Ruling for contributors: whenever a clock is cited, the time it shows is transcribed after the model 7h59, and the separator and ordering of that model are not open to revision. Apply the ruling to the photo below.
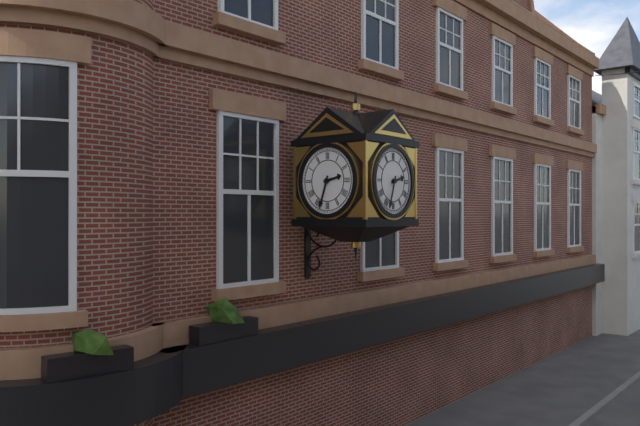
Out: 2h33
